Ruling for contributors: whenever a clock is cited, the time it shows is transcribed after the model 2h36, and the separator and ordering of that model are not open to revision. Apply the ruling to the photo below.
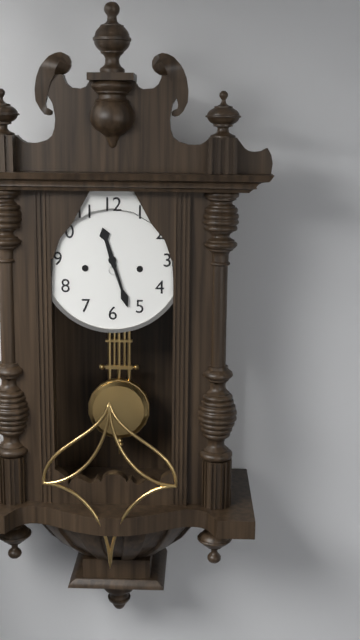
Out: 11h27
